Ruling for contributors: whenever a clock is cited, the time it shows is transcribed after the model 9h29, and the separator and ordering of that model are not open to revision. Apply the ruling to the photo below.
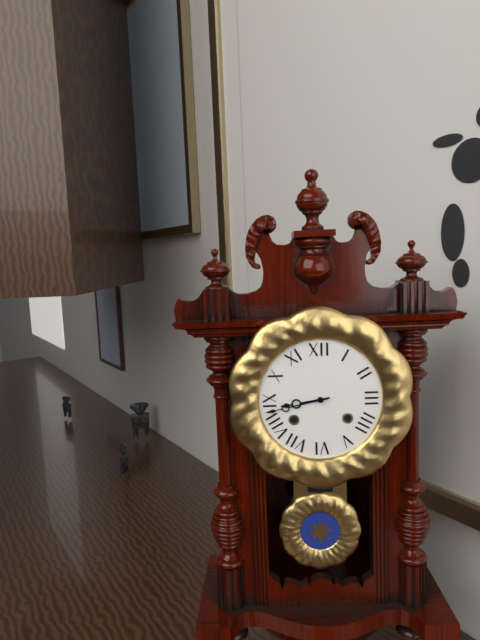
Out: 8h43
